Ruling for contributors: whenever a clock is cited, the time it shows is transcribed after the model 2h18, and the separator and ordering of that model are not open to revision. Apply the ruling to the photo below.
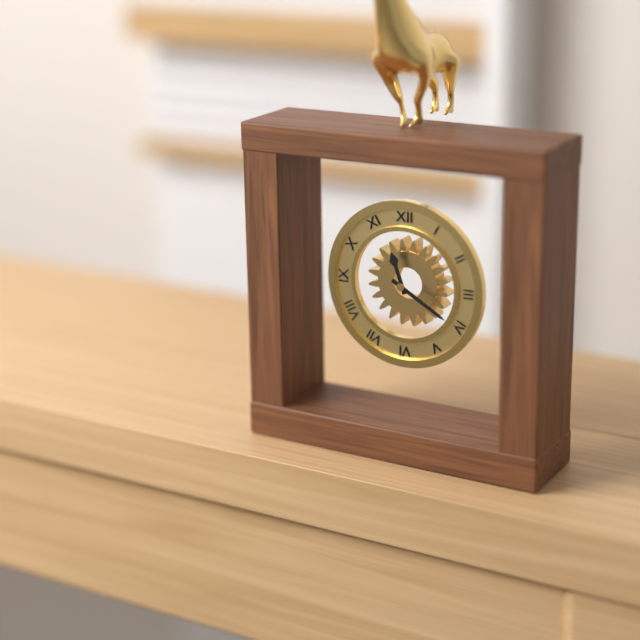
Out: 11h20
